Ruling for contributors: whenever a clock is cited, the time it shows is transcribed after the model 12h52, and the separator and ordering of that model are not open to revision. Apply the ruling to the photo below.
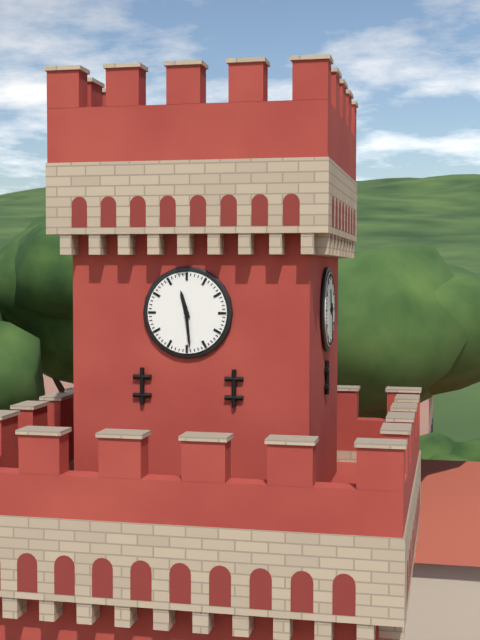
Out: 11h29
